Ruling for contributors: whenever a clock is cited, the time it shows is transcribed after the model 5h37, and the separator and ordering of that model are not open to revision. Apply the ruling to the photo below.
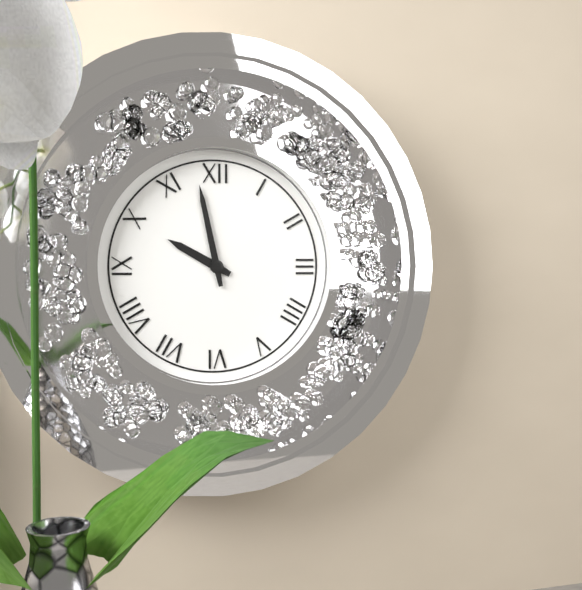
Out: 9h58
